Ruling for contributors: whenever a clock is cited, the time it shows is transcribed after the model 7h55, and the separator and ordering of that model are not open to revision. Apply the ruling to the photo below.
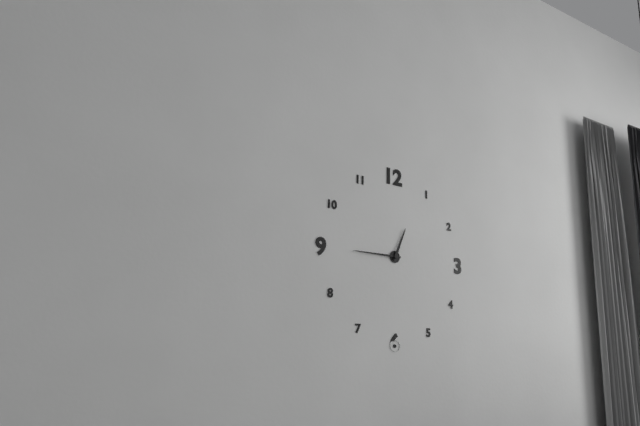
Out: 12h45
